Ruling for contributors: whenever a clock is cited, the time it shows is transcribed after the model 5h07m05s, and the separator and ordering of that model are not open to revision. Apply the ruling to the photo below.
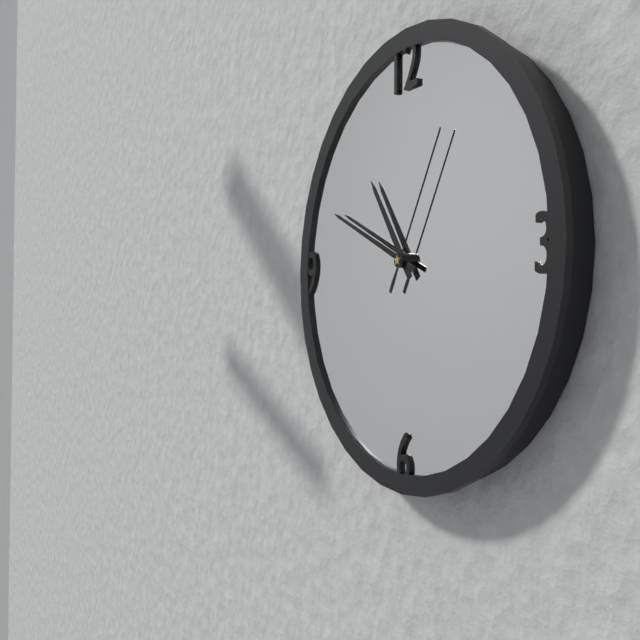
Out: 10h49m05s
